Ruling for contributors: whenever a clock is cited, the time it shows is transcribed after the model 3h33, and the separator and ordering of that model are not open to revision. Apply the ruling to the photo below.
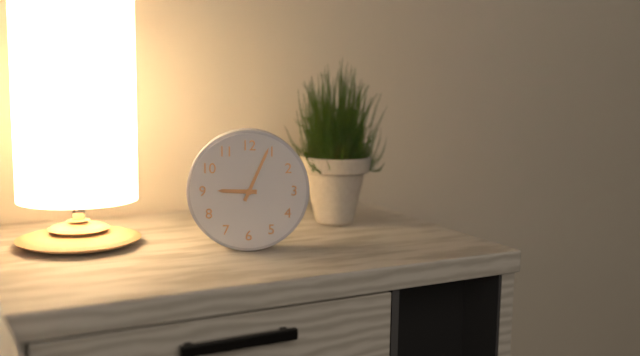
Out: 9h04
